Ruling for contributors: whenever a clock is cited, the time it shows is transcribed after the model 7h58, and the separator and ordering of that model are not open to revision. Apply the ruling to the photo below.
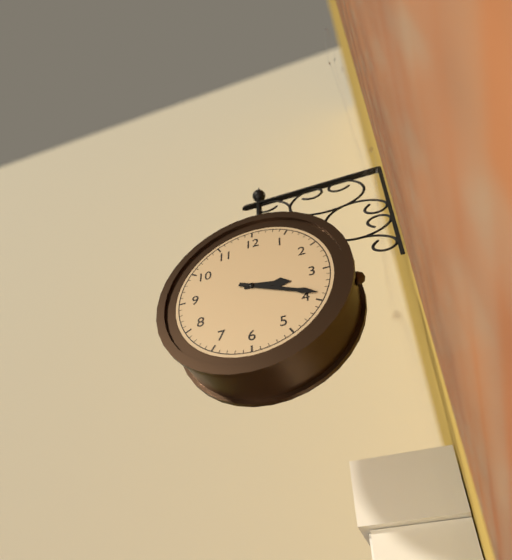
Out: 3h19
